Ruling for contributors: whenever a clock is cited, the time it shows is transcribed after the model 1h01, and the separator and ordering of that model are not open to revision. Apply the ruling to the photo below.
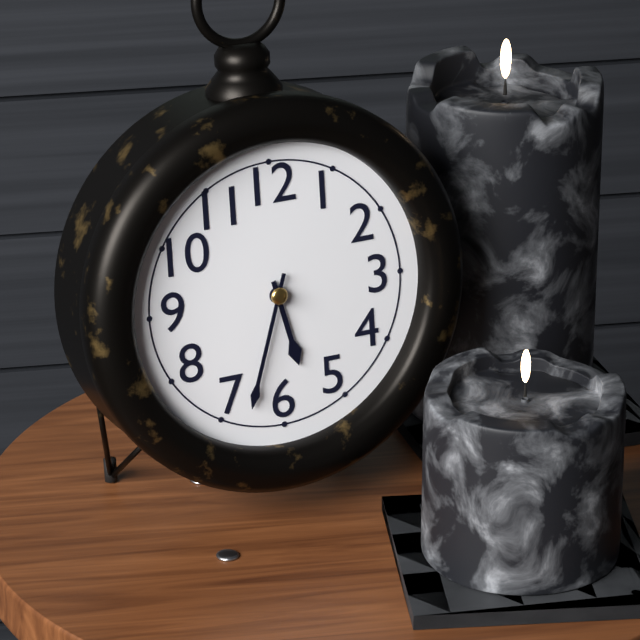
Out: 5h33
